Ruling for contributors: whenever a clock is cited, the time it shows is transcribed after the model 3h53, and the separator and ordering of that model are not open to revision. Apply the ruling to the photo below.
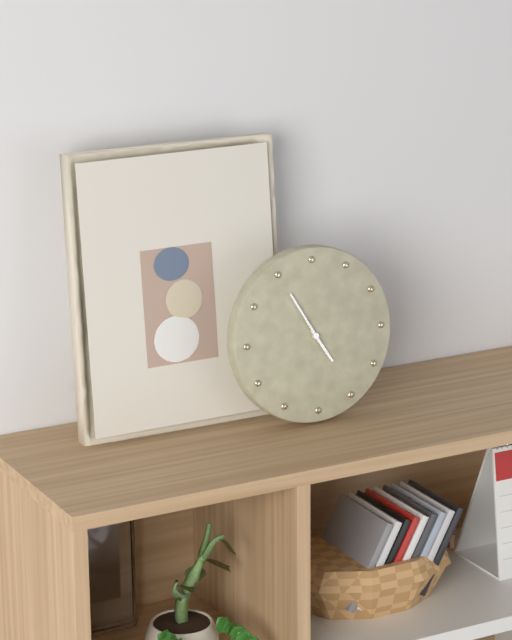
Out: 4h55
